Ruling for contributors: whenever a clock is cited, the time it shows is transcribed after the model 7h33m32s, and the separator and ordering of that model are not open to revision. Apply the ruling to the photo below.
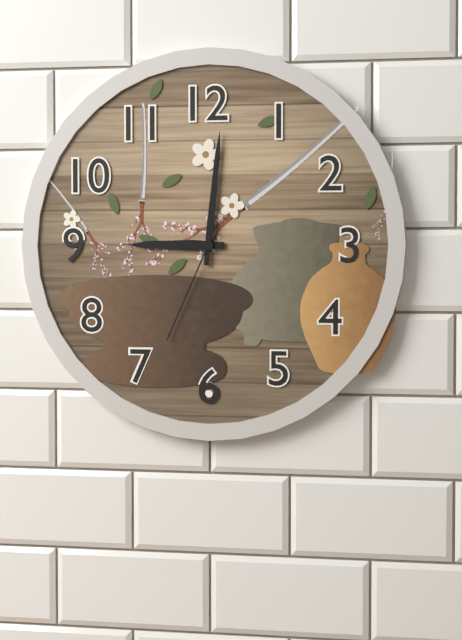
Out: 9h01m34s
